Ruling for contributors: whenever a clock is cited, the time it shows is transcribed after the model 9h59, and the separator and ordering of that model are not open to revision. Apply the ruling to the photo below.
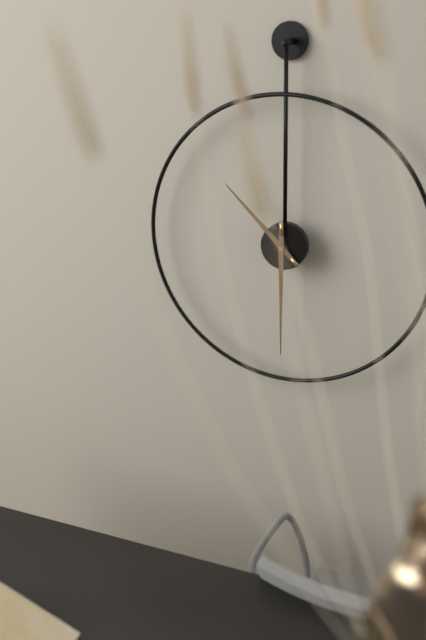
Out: 10h30
